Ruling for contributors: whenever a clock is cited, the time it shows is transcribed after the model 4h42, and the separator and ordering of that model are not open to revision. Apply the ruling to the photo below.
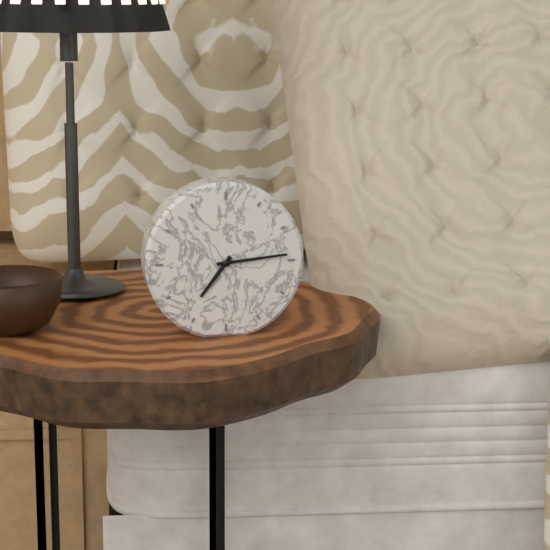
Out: 7h14
